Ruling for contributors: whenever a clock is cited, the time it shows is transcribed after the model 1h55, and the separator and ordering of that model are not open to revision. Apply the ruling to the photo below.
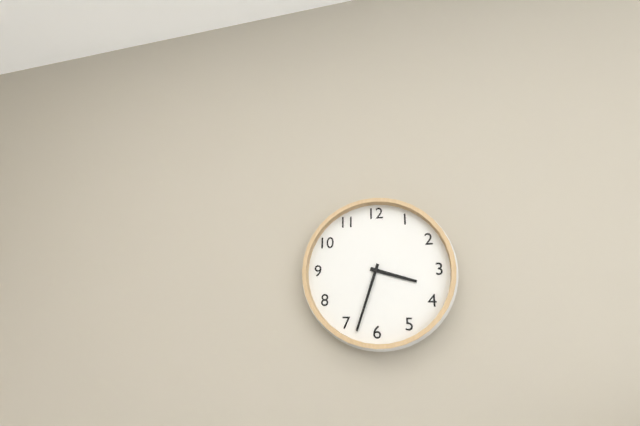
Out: 3h33
